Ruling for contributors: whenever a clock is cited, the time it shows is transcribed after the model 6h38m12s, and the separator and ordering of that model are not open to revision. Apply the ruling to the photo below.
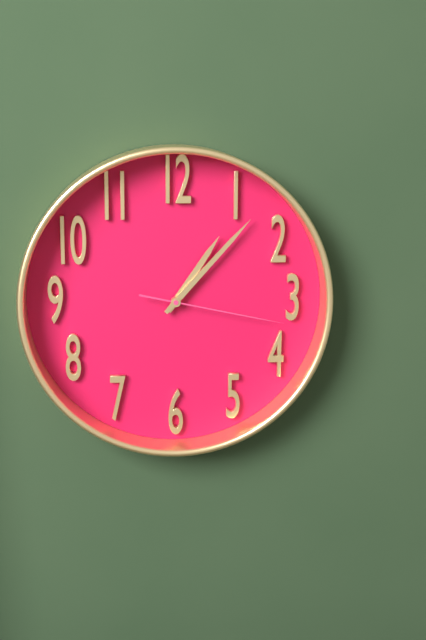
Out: 1h07m17s
